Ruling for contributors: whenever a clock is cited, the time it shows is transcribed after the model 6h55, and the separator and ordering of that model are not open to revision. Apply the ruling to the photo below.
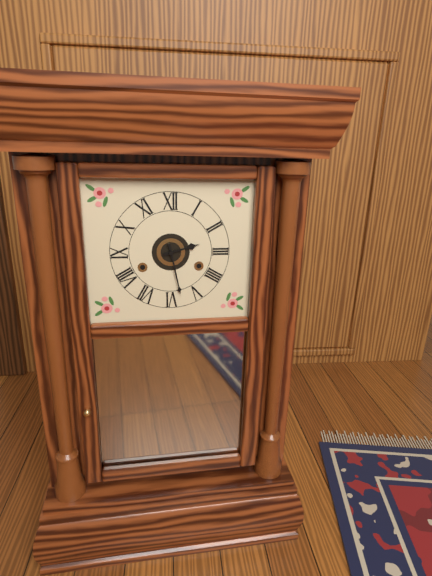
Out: 2h28
